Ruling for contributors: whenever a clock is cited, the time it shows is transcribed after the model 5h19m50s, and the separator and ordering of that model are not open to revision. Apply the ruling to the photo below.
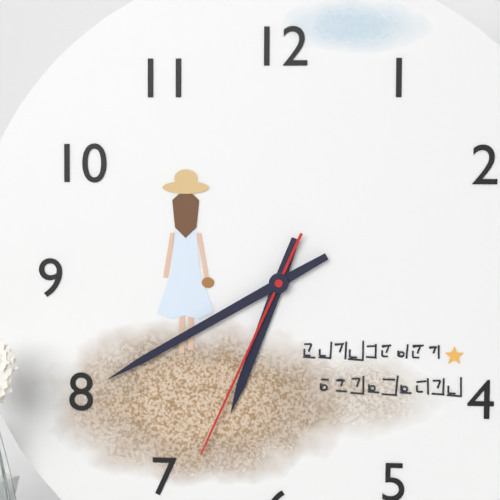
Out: 6h40m34s
